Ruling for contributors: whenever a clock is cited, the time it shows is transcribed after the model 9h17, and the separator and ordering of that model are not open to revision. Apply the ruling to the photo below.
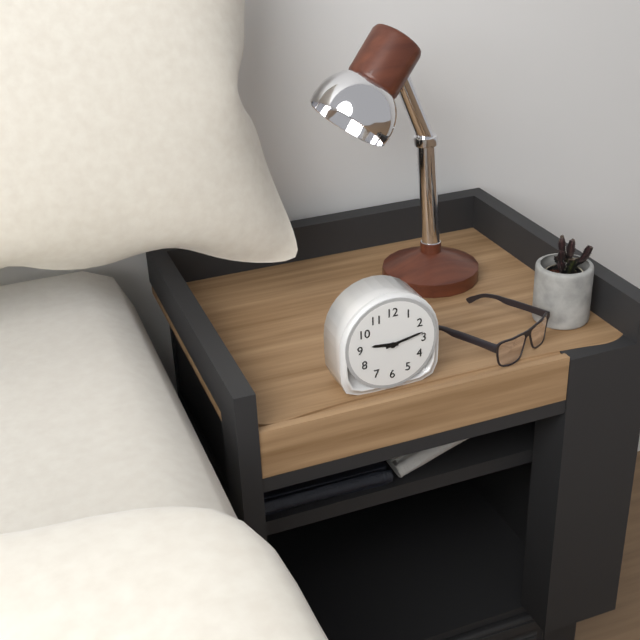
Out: 9h13
